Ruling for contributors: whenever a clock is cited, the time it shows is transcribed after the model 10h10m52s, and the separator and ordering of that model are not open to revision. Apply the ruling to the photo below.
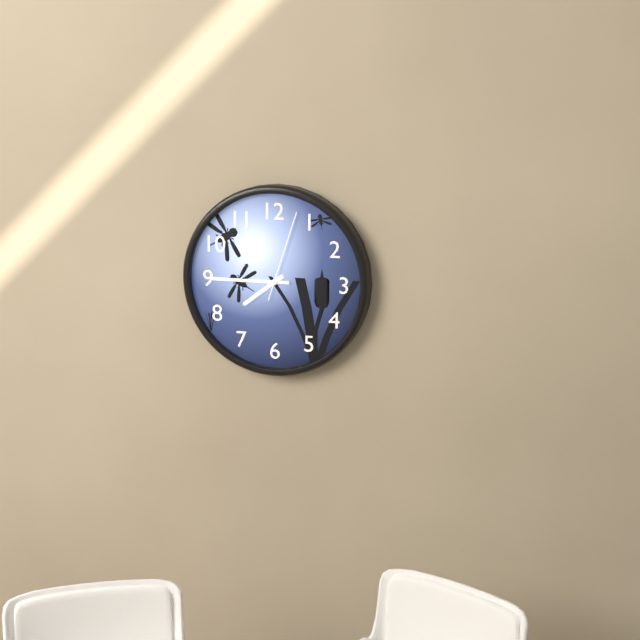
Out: 7h45m03s
